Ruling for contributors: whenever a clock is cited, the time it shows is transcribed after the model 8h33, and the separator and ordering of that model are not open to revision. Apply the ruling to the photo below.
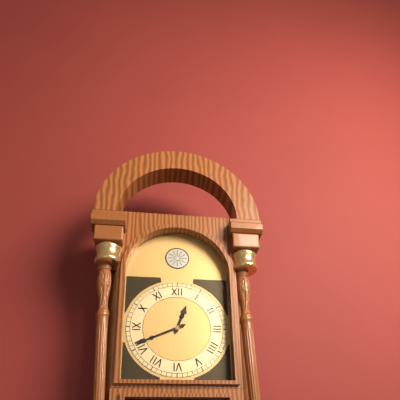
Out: 12h41
